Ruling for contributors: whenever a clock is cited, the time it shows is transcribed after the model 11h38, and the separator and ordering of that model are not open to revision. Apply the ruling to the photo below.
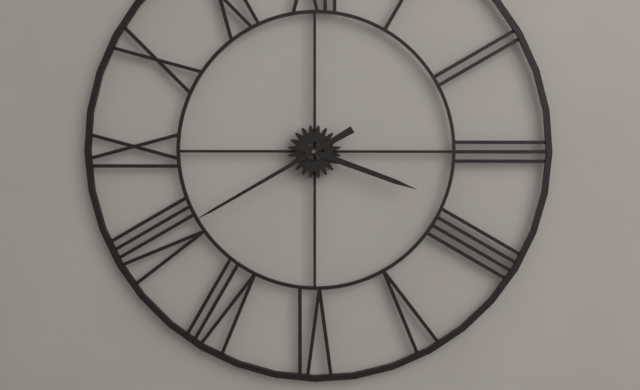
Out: 3h40
